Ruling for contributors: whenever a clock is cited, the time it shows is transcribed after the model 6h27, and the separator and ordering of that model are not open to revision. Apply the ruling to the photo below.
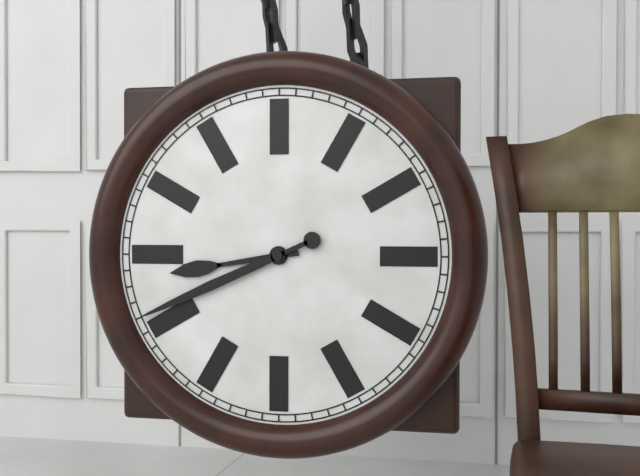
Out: 8h41
